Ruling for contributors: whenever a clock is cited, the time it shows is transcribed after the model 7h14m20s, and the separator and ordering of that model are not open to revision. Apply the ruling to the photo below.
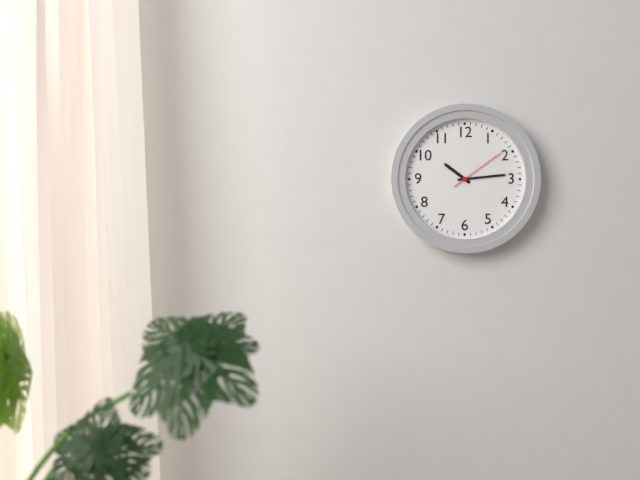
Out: 10h14m09s
